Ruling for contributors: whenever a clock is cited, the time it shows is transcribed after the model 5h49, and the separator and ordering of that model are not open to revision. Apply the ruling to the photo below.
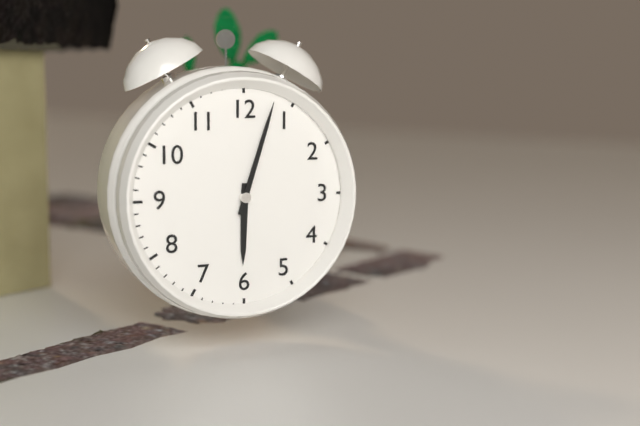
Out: 6h03
